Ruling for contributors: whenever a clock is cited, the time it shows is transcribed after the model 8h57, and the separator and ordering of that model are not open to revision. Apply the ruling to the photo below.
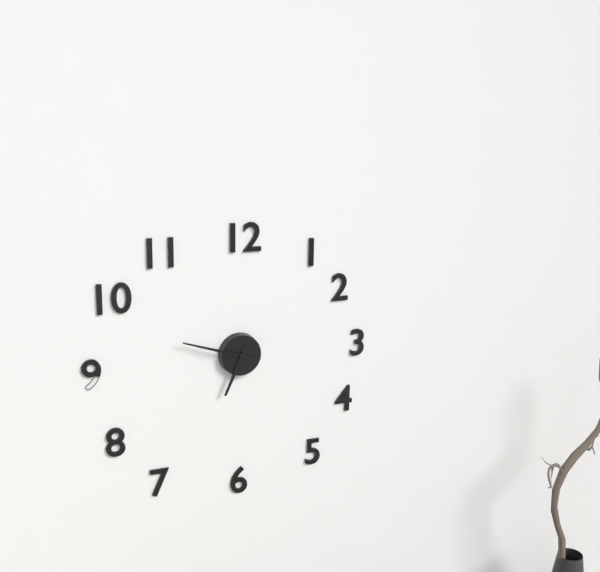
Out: 6h48
